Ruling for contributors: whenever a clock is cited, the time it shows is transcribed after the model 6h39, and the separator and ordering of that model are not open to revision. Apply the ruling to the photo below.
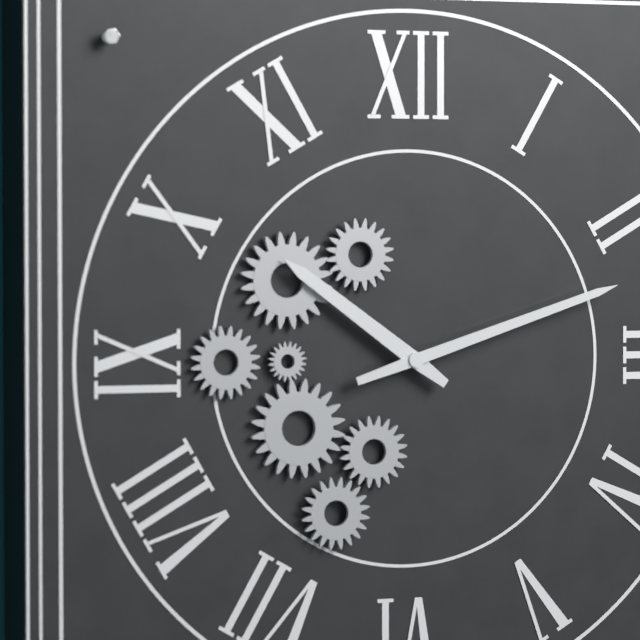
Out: 10h12
